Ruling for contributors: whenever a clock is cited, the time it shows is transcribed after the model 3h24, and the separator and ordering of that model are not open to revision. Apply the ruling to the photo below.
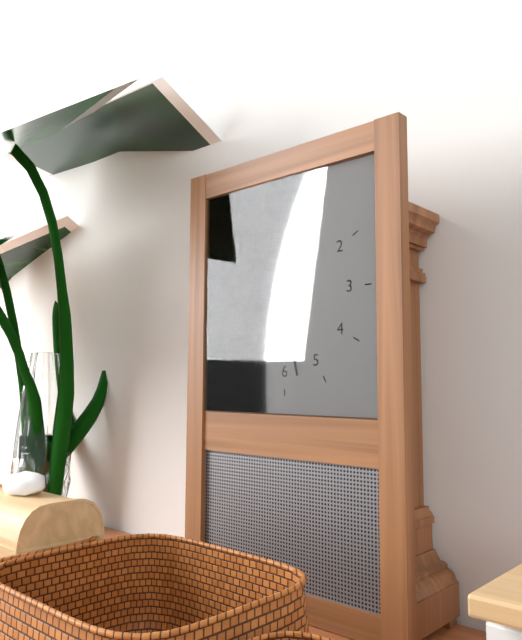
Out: 11h28
